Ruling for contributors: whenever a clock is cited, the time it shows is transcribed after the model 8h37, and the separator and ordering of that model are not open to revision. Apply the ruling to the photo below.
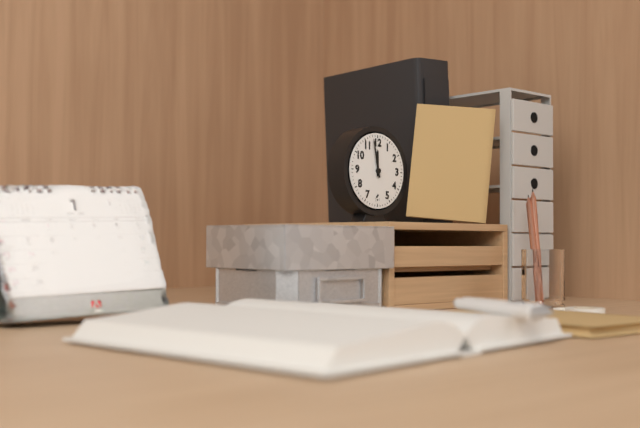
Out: 11h58
